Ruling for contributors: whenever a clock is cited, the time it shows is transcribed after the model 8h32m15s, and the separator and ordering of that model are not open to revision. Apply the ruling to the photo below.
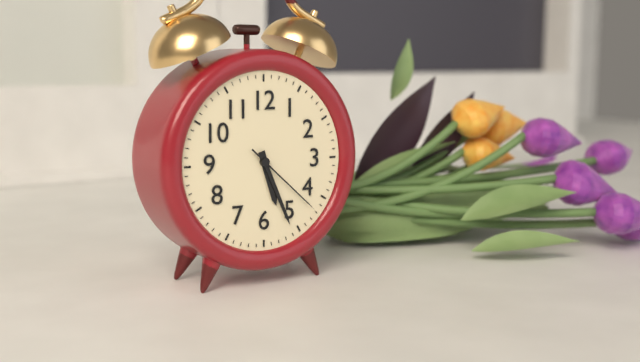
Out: 5h26m22s
